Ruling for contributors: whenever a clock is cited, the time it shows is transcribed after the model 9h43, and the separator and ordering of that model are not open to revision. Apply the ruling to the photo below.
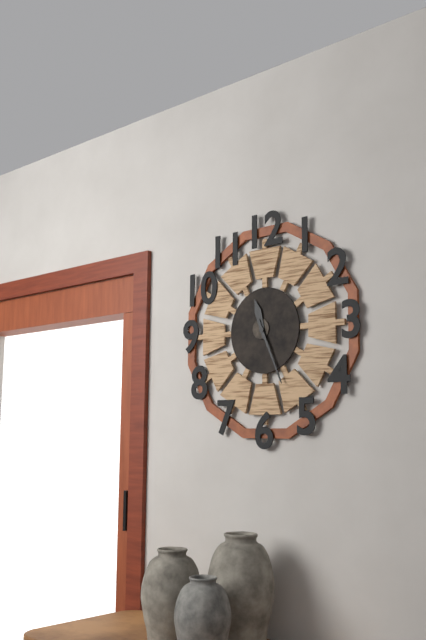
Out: 11h26
